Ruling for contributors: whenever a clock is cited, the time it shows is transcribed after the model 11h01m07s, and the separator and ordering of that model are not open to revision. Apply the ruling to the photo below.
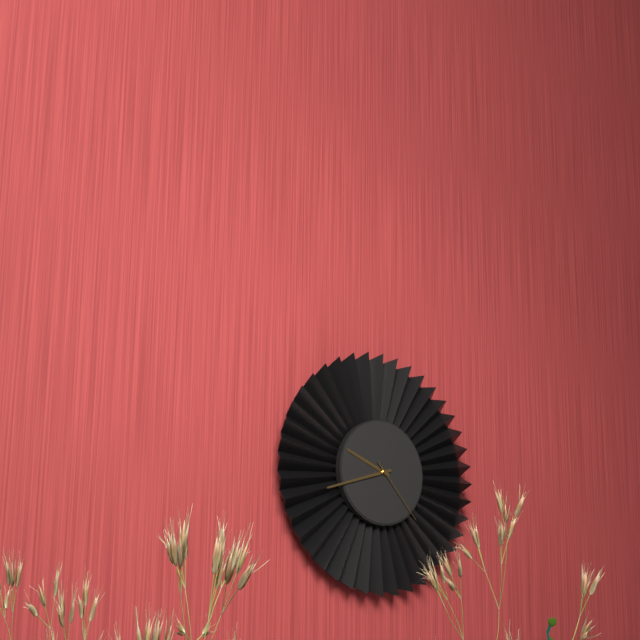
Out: 9h42m23s
